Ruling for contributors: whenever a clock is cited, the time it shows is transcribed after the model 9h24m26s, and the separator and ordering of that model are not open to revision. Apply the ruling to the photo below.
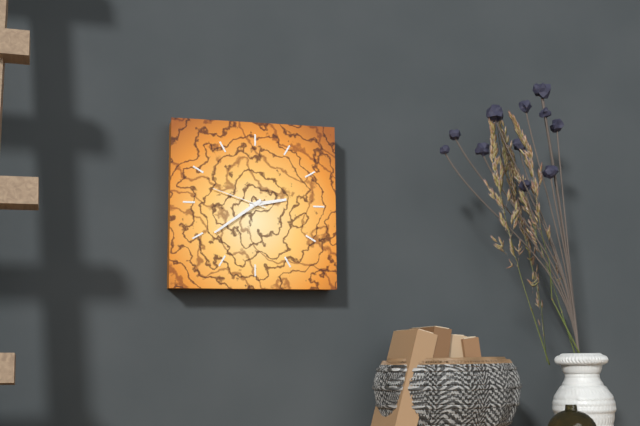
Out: 2h39m48s
